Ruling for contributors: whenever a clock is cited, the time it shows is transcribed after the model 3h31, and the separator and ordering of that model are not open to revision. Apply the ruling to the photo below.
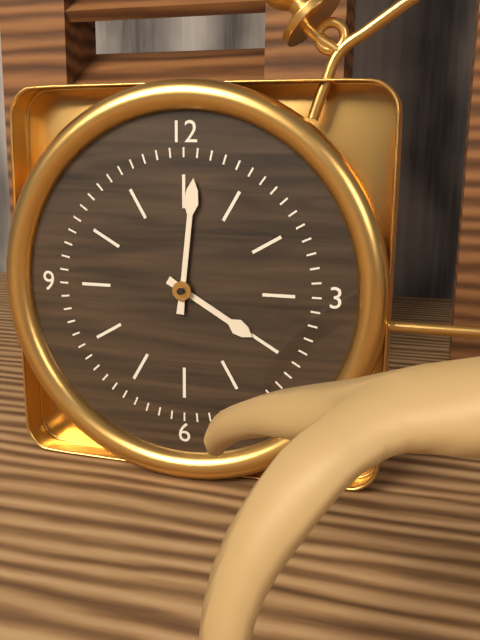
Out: 4h01
